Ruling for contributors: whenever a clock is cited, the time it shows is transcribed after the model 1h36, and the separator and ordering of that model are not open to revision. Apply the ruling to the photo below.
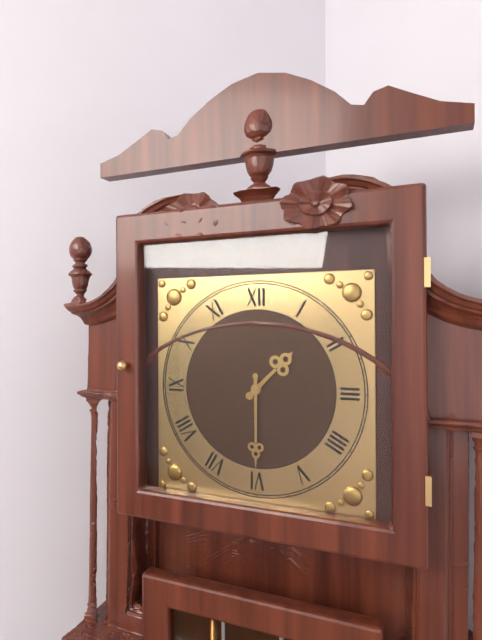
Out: 1h30
